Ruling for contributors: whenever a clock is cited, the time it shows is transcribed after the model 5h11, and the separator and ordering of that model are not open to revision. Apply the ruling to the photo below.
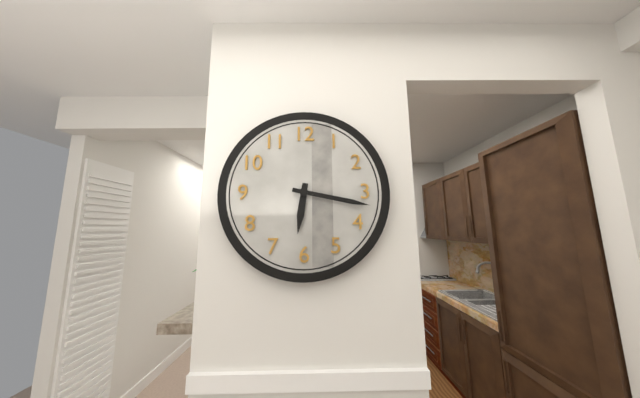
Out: 6h17
